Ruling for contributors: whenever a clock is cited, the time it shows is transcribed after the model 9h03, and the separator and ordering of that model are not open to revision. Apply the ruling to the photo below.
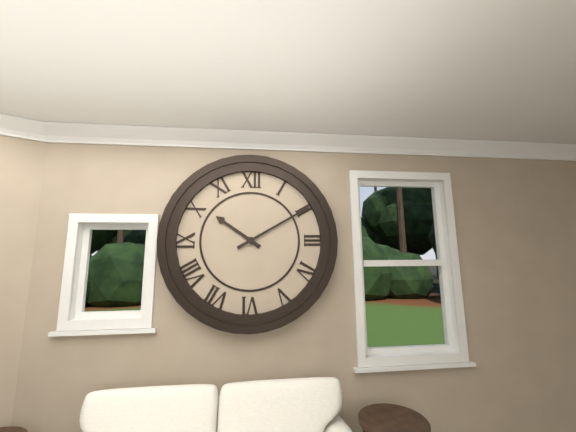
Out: 10h10
